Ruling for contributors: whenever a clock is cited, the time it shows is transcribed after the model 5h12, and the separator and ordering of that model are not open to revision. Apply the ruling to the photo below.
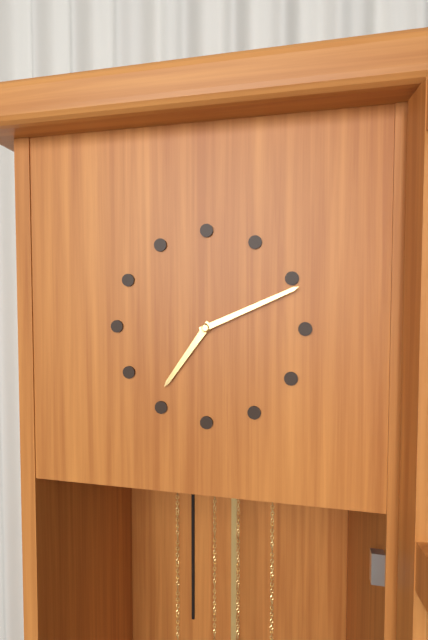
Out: 7h11
